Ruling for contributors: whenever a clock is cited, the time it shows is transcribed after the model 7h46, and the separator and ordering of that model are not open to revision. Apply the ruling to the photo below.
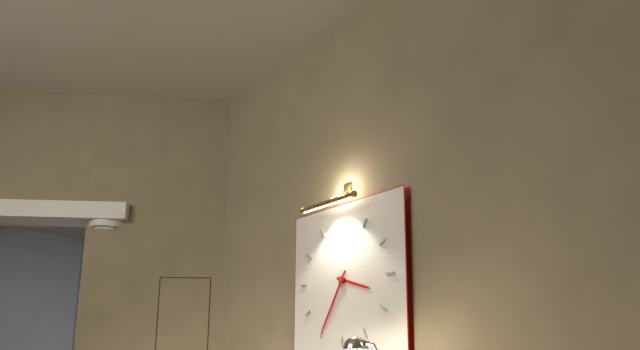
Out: 3h35
